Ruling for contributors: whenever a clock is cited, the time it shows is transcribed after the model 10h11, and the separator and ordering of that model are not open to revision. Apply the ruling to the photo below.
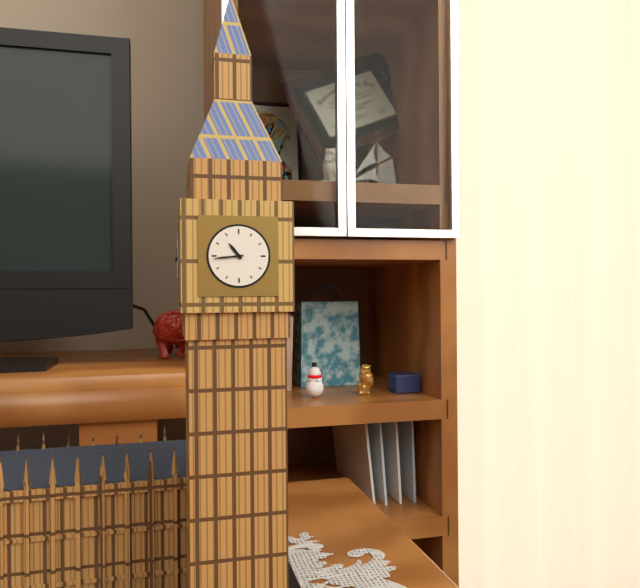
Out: 10h44
